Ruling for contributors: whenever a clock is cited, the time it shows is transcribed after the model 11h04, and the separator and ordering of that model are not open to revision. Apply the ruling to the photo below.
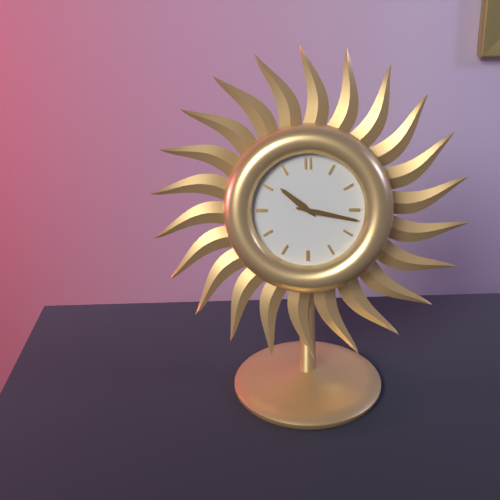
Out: 10h17
